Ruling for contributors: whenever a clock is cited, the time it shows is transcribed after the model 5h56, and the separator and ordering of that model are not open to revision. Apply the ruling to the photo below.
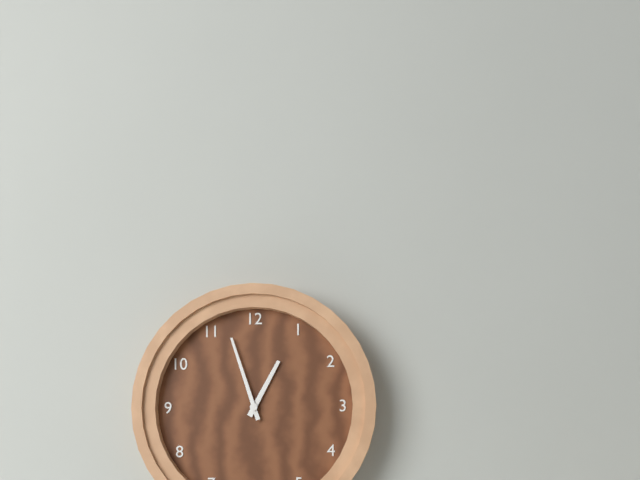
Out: 12h57
